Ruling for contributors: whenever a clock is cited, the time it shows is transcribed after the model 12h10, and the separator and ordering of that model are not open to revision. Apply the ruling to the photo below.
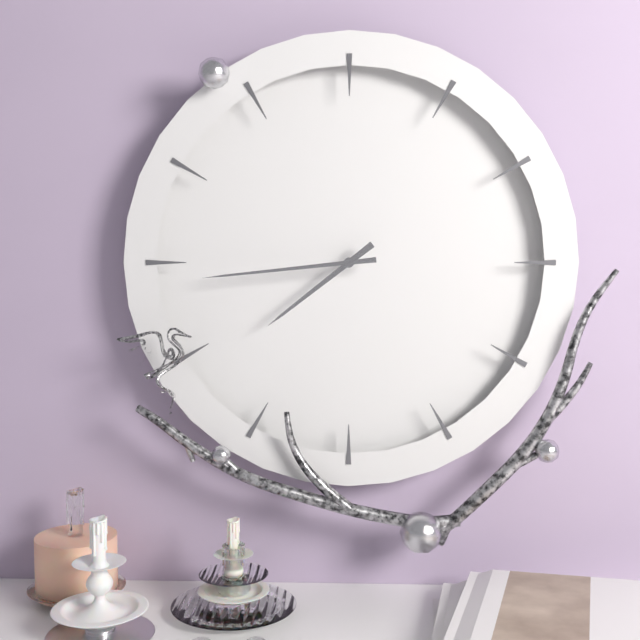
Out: 7h44
